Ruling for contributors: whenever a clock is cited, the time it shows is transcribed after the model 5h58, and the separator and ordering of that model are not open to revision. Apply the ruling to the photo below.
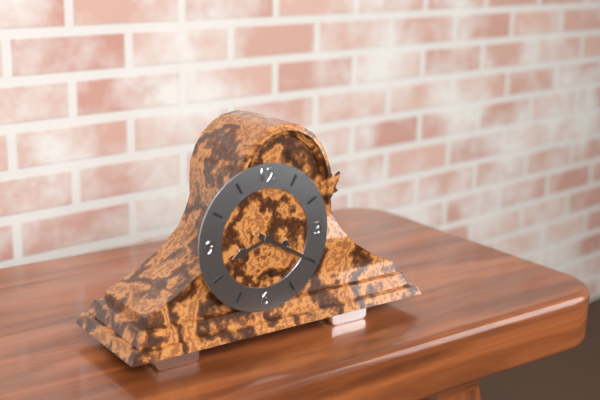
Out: 8h20
